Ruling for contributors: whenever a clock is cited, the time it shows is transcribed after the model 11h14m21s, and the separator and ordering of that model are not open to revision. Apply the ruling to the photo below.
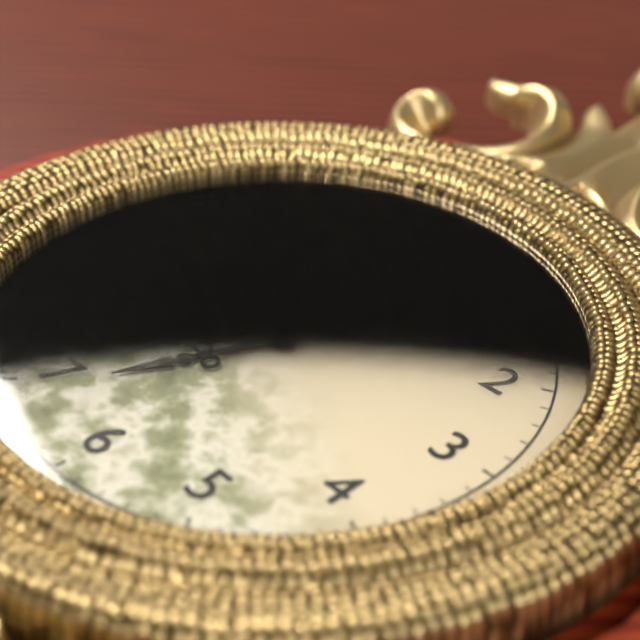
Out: 6h49m07s
